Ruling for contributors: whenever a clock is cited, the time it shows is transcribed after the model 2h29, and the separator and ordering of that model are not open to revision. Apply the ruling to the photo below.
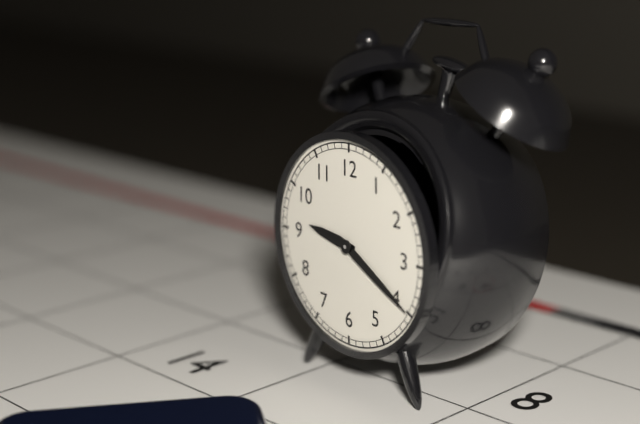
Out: 9h20
